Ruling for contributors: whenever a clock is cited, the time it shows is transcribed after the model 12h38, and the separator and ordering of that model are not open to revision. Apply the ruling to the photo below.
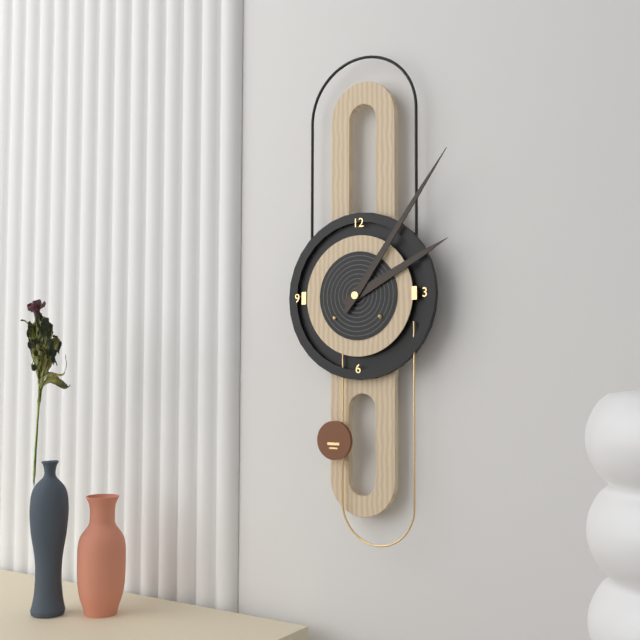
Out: 2h06
